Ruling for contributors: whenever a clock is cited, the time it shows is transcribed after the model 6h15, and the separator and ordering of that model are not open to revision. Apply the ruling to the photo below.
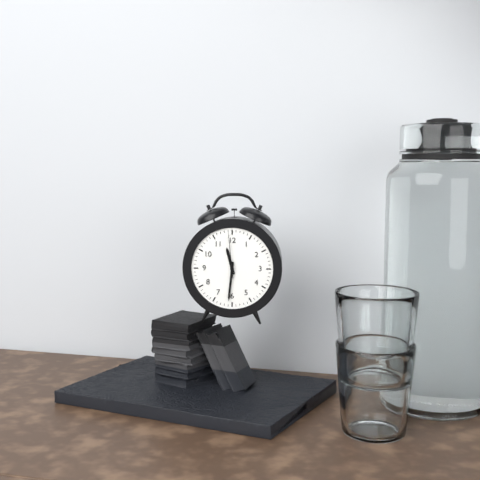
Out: 11h31
